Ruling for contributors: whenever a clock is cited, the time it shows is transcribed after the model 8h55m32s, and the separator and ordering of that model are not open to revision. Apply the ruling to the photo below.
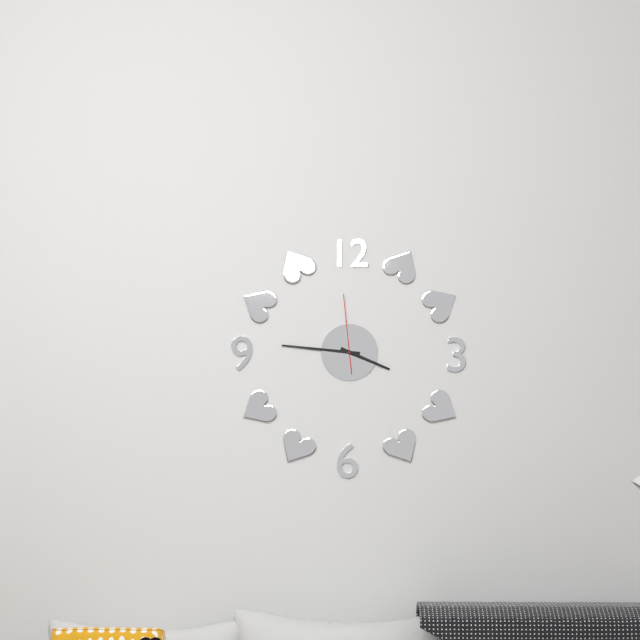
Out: 3h46m59s
